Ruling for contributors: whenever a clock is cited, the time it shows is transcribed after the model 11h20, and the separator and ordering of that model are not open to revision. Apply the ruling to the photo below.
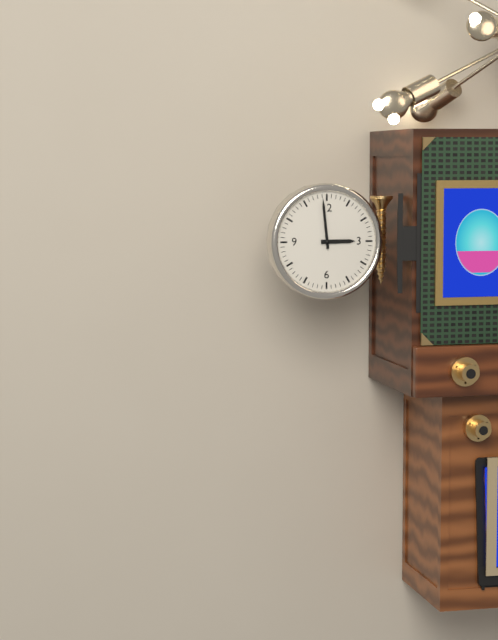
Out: 2h59
